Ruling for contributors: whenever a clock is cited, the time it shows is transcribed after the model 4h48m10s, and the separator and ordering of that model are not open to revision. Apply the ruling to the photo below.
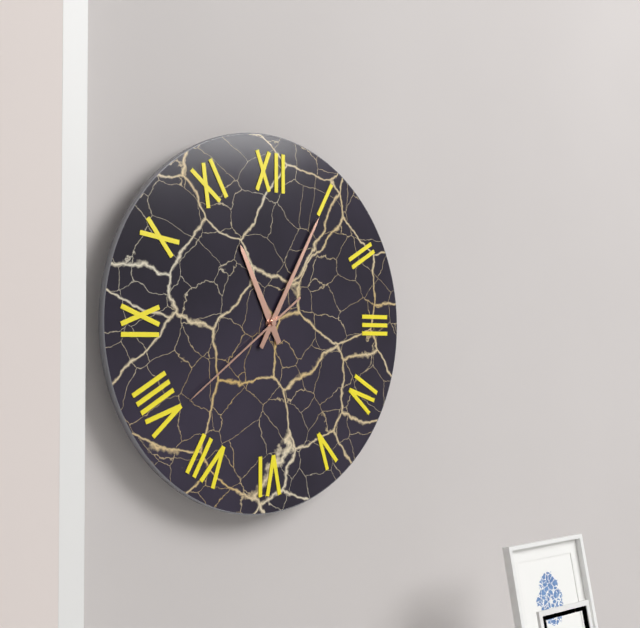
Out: 11h05m39s
